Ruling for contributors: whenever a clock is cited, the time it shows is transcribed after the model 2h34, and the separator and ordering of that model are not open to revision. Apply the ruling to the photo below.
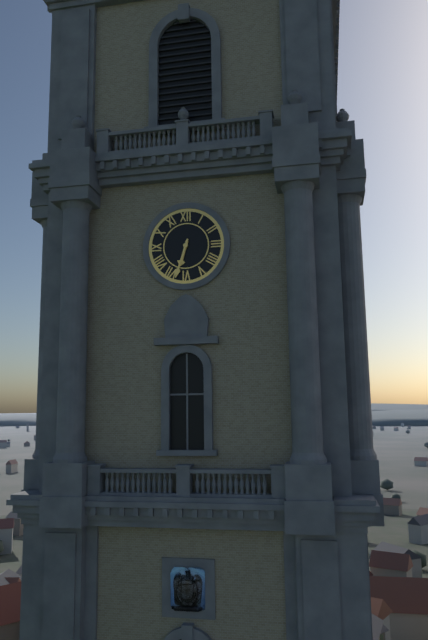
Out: 6h33
